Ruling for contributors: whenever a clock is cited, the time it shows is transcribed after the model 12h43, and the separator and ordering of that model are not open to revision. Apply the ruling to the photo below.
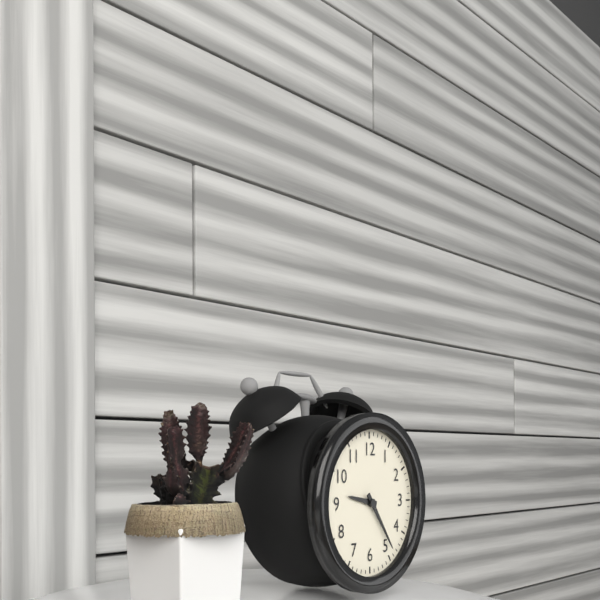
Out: 9h24
